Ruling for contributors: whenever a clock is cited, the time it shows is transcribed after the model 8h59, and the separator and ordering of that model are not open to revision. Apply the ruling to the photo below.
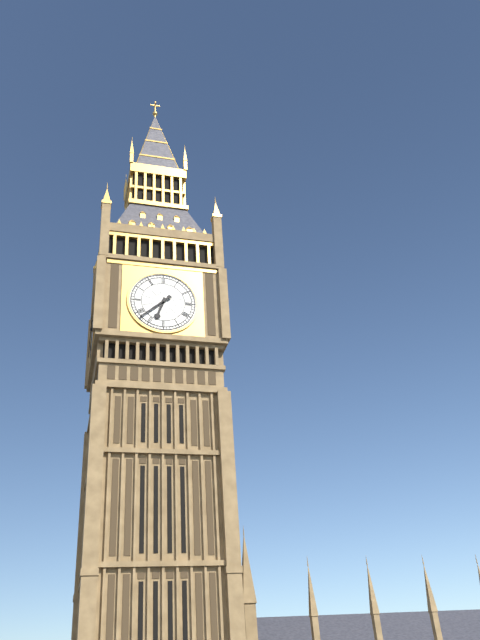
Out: 6h38
